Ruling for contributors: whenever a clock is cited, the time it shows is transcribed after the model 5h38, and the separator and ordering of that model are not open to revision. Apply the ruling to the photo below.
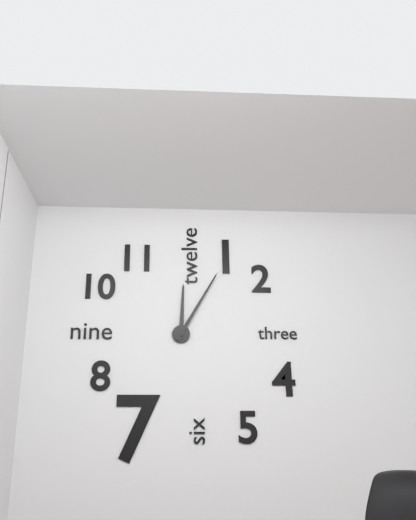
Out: 12h05
